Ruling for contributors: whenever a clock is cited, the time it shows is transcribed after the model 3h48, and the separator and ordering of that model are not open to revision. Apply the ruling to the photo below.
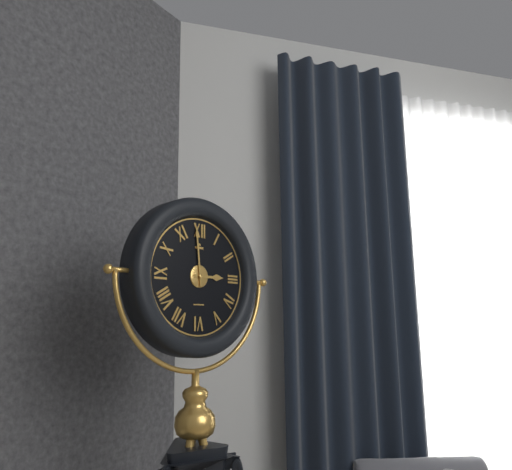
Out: 2h59
